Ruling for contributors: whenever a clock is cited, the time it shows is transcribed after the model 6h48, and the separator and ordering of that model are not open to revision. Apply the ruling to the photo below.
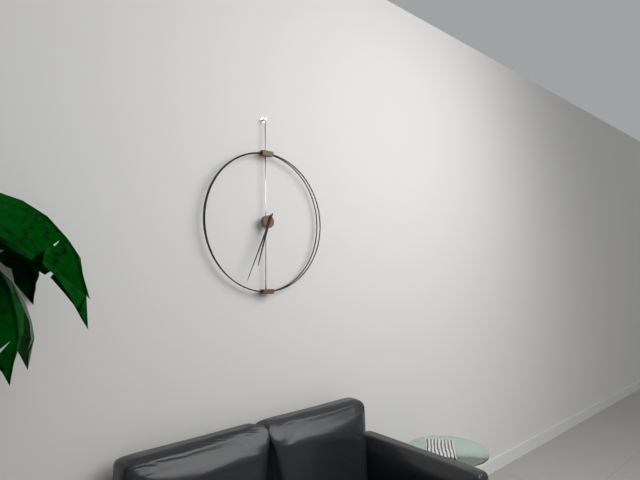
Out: 6h34
